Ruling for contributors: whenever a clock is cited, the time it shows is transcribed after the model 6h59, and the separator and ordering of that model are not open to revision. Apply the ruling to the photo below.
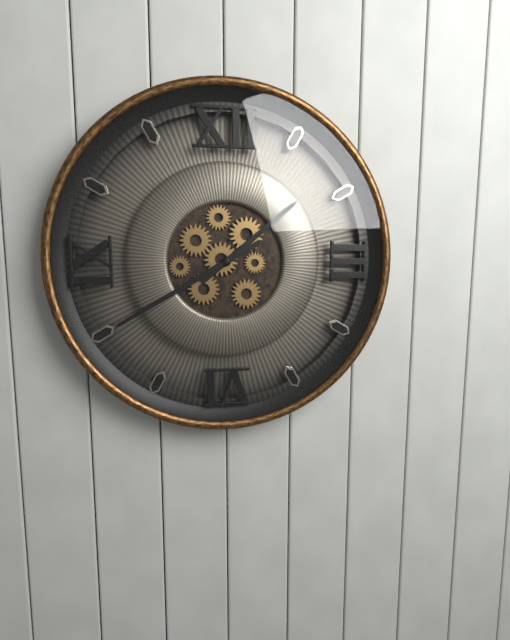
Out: 1h40
